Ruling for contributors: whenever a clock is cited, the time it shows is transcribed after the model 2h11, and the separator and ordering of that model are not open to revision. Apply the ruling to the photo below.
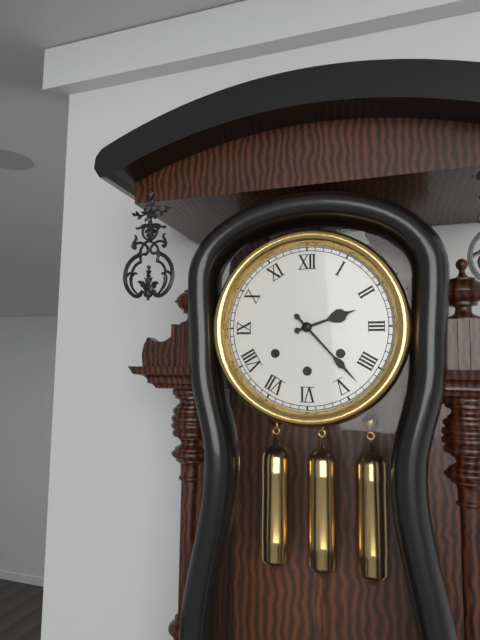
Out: 2h23
